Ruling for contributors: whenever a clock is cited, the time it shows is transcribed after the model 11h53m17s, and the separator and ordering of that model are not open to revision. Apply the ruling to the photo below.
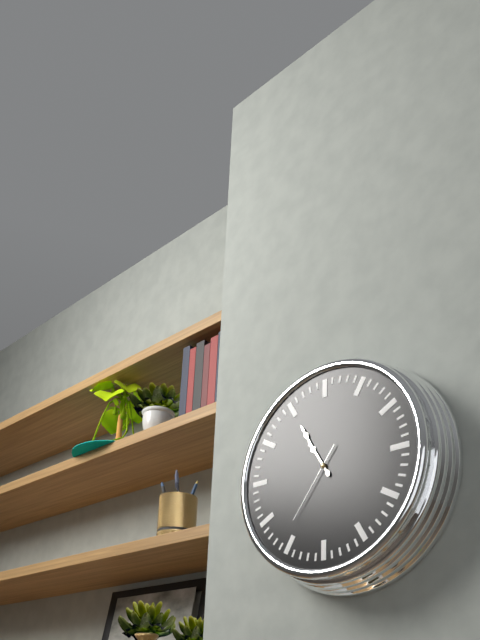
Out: 10h55m36s
